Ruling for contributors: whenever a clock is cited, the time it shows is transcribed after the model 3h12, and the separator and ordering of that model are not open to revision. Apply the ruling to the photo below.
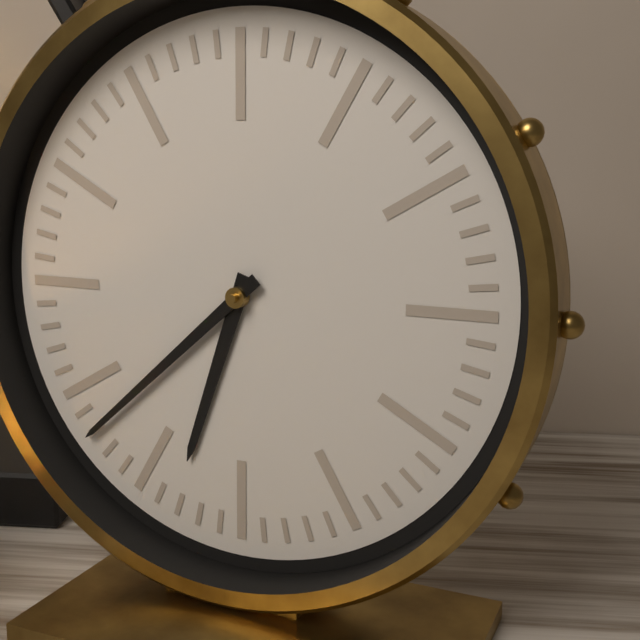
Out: 6h38
